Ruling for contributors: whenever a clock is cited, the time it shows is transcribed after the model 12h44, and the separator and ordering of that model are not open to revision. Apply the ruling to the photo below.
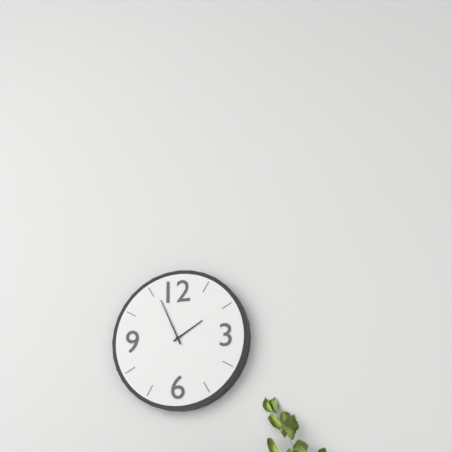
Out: 1h56
